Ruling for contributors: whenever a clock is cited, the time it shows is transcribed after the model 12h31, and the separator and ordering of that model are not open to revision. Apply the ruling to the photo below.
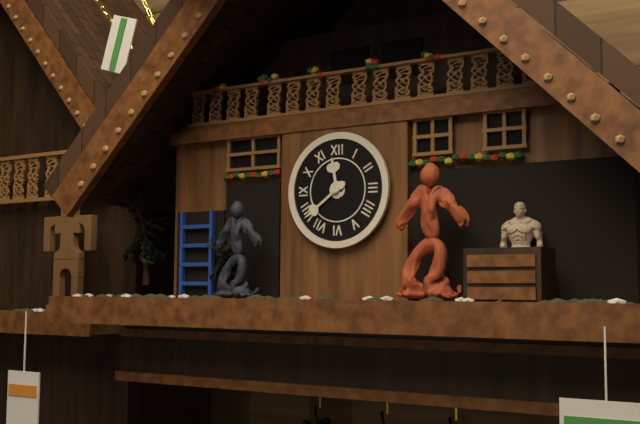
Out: 11h39
